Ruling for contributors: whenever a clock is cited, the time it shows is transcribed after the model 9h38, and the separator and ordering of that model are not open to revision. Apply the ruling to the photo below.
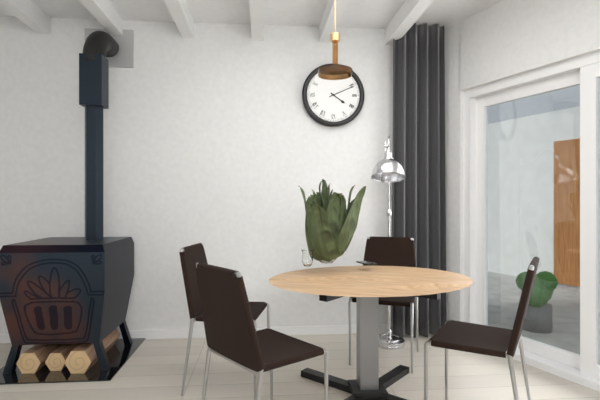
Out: 4h11
